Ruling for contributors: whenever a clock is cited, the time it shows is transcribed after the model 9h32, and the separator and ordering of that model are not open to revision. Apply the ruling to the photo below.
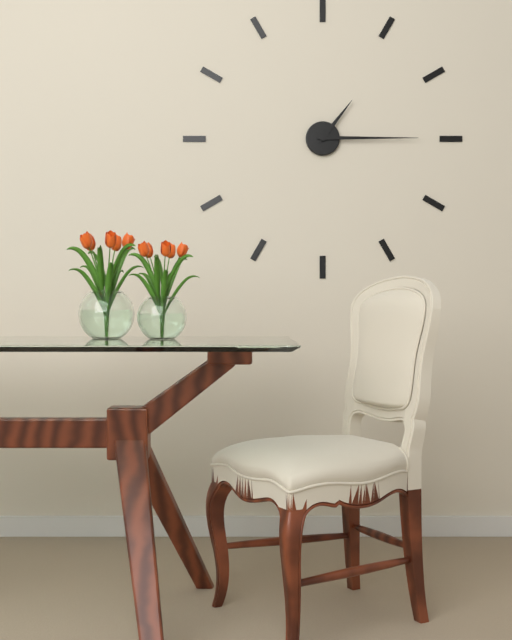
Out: 1h15
